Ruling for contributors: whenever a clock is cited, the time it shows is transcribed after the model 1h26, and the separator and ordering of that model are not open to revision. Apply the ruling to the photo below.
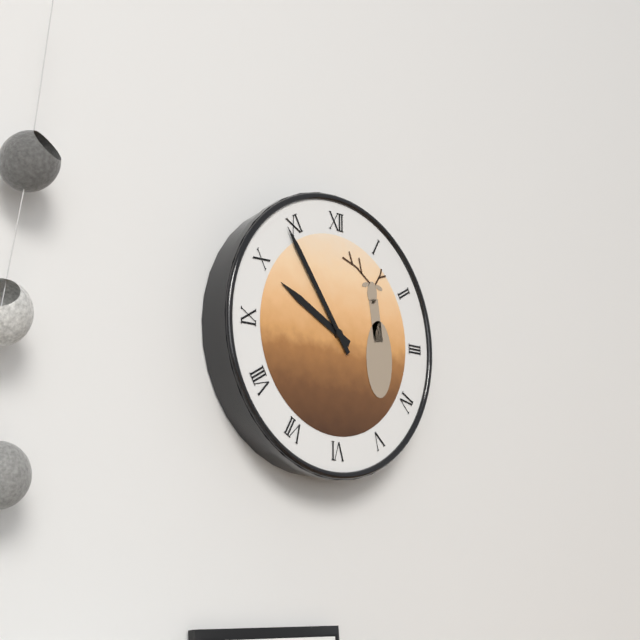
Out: 9h54
